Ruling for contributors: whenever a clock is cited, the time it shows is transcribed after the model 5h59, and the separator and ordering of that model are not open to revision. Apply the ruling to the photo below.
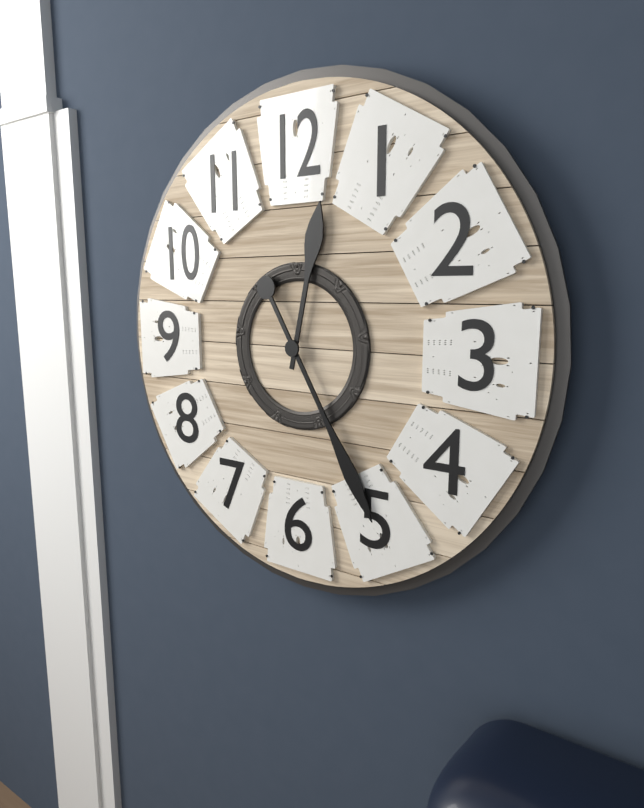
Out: 12h25
